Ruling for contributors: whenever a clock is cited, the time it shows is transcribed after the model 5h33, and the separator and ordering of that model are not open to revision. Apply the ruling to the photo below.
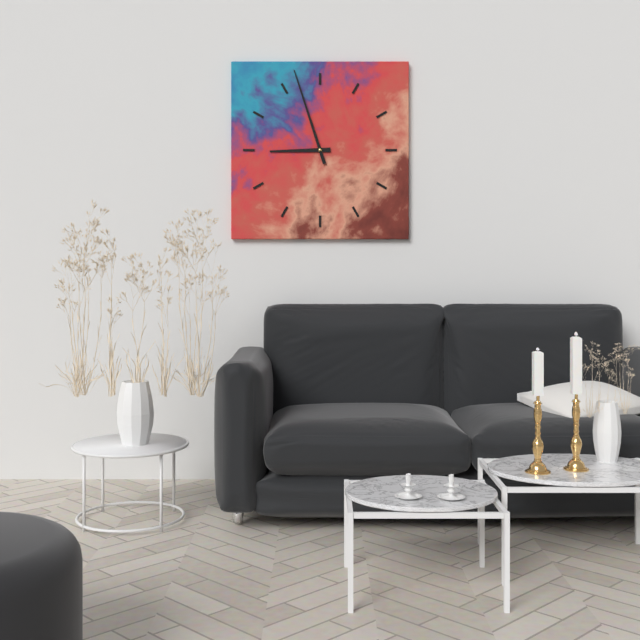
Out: 8h57
